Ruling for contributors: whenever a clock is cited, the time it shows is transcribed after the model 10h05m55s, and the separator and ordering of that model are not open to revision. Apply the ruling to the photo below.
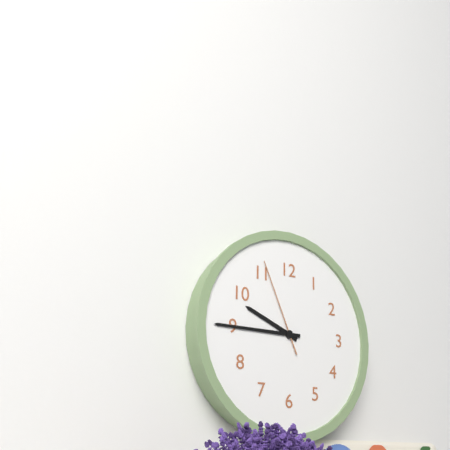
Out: 9h45m56s
